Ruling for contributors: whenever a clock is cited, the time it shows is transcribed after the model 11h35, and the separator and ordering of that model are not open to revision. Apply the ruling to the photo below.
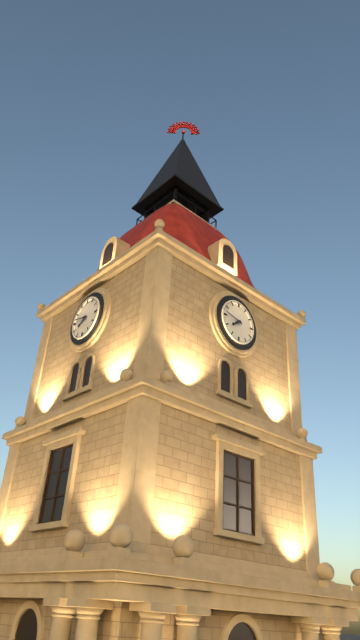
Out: 7h47
